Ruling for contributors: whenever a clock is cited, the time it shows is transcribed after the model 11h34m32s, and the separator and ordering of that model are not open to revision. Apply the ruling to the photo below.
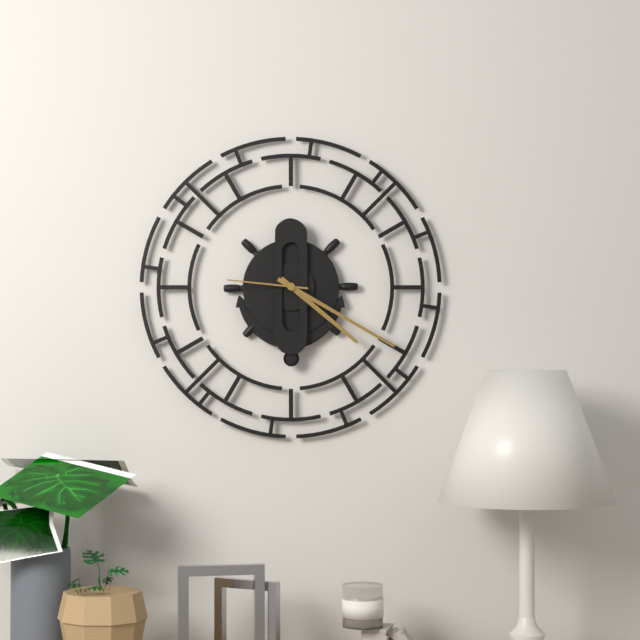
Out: 4h20m46s
